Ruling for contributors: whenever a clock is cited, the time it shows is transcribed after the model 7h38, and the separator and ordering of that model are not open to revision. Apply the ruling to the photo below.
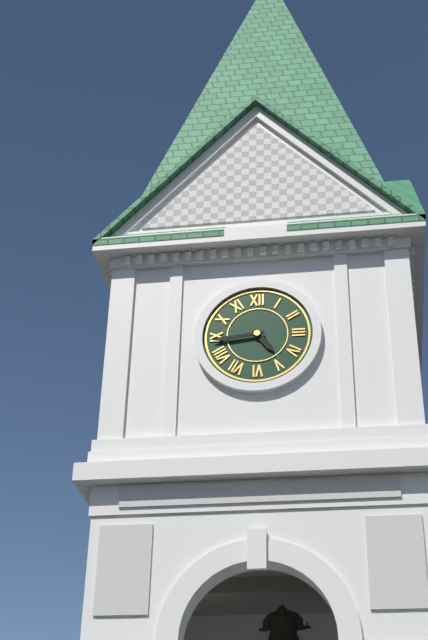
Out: 4h44
